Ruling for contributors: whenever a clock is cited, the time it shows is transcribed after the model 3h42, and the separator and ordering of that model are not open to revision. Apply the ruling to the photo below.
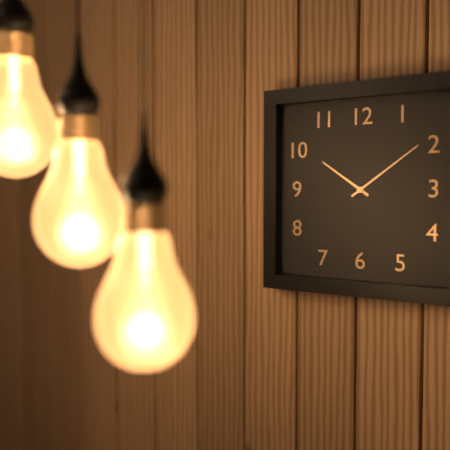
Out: 10h09
